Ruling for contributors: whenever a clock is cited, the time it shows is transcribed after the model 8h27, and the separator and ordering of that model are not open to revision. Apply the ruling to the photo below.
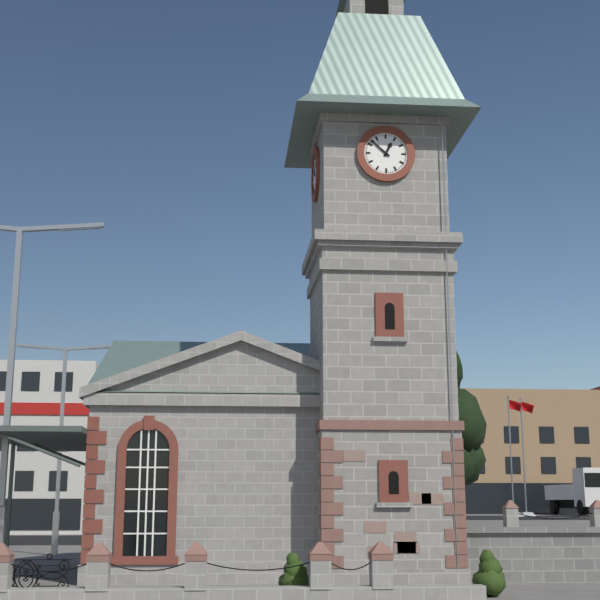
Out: 12h52
